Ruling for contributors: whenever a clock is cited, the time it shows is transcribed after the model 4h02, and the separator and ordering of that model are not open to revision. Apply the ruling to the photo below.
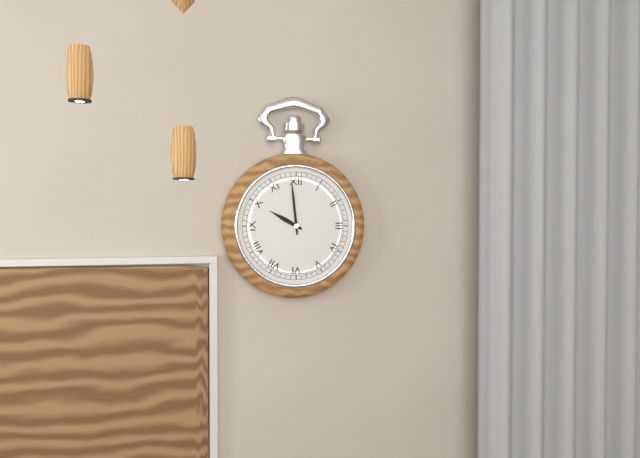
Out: 9h59
